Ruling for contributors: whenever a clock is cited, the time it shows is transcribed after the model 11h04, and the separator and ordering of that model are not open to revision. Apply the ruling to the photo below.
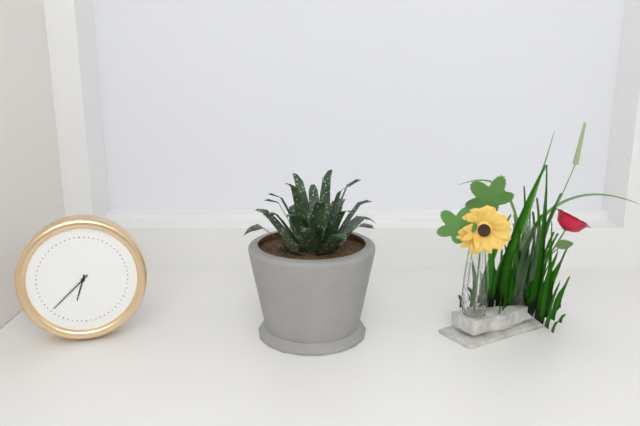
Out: 6h38
